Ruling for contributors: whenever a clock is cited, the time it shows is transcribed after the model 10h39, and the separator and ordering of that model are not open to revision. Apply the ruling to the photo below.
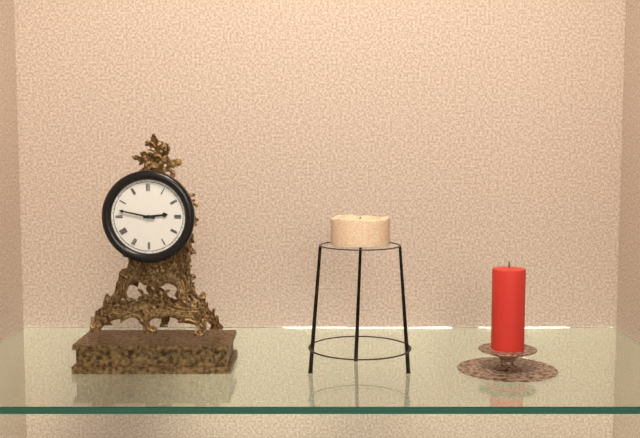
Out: 2h47
